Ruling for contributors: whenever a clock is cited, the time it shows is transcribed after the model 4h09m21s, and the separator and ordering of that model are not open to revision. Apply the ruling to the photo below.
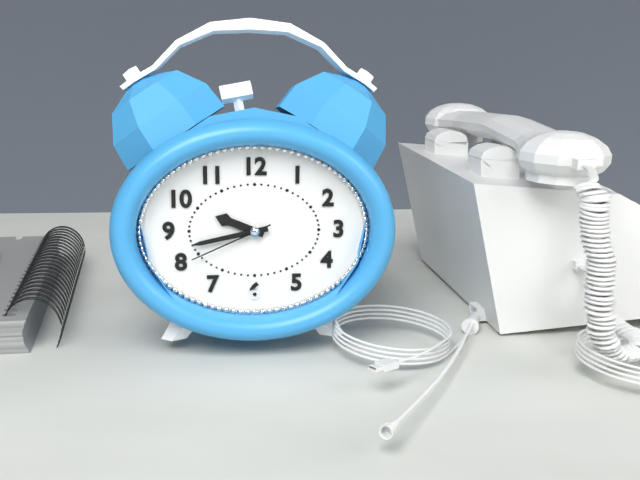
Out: 9h43m41s
